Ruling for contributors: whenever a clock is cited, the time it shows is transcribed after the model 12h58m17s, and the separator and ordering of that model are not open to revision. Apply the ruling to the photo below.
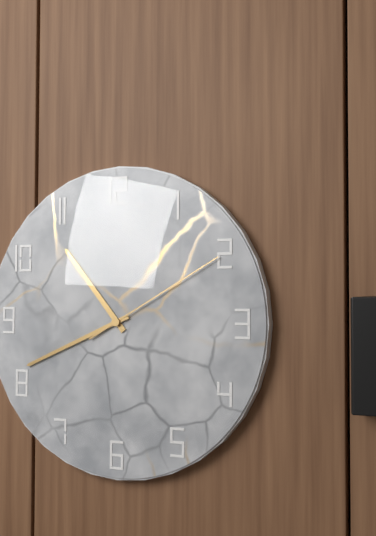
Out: 10h41m10s
